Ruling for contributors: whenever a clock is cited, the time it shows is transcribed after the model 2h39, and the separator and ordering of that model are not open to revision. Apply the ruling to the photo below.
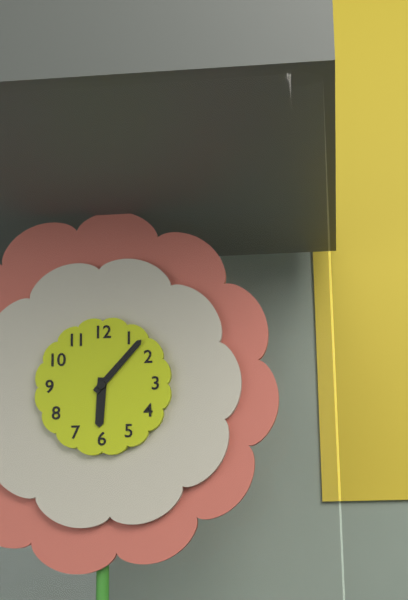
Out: 6h07
